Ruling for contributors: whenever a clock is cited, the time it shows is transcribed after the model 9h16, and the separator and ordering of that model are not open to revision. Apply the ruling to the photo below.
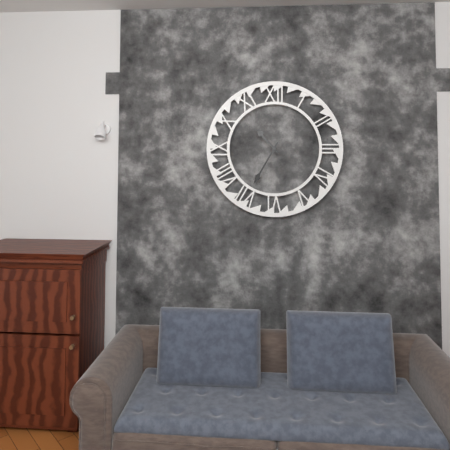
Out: 10h35
